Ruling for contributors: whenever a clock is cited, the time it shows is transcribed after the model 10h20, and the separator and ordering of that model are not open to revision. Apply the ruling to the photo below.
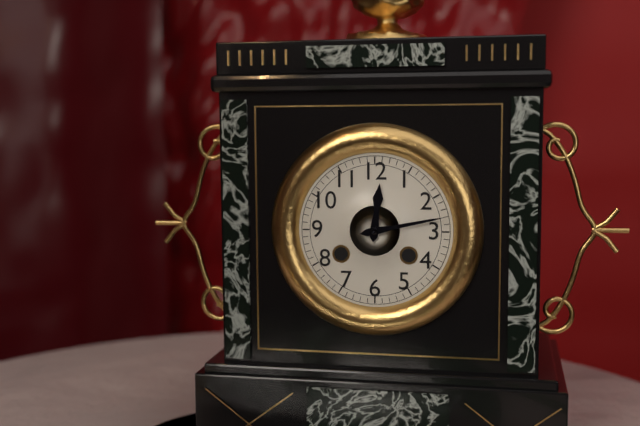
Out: 12h13
